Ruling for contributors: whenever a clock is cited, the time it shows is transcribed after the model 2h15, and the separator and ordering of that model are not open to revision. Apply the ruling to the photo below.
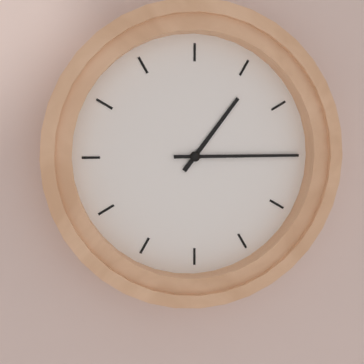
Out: 1h15
